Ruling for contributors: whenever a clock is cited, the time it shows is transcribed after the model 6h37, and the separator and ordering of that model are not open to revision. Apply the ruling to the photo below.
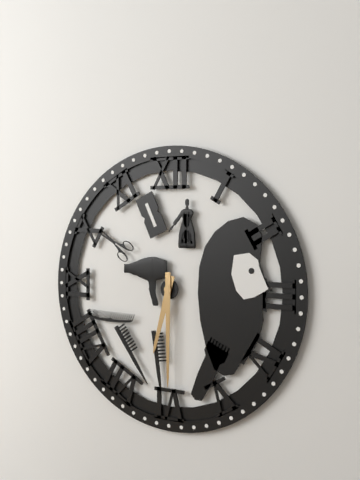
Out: 6h30
